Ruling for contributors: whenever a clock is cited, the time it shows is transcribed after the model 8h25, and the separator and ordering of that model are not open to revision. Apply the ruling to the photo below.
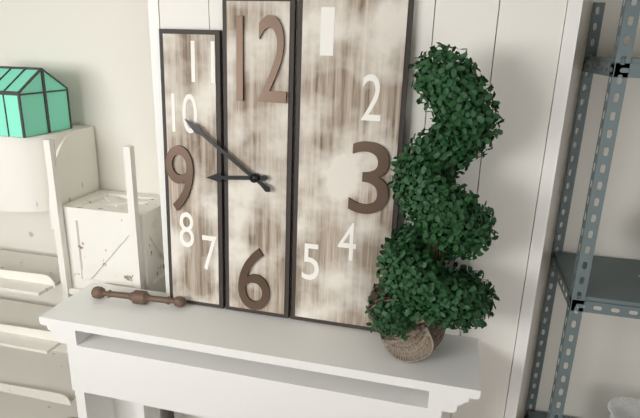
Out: 8h51
